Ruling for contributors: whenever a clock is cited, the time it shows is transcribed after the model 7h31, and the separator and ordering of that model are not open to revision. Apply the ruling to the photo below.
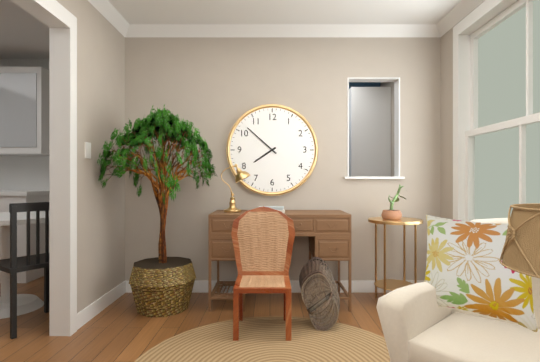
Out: 7h52
